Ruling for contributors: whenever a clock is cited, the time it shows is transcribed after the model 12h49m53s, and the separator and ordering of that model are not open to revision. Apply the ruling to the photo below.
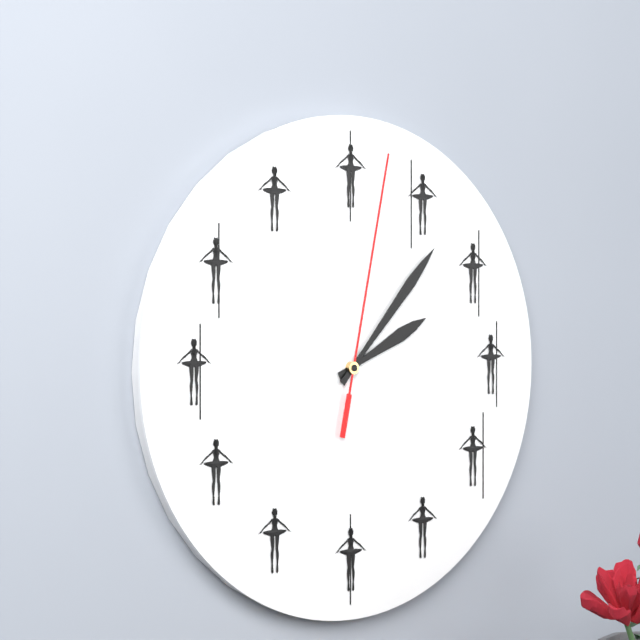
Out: 2h07m02s
